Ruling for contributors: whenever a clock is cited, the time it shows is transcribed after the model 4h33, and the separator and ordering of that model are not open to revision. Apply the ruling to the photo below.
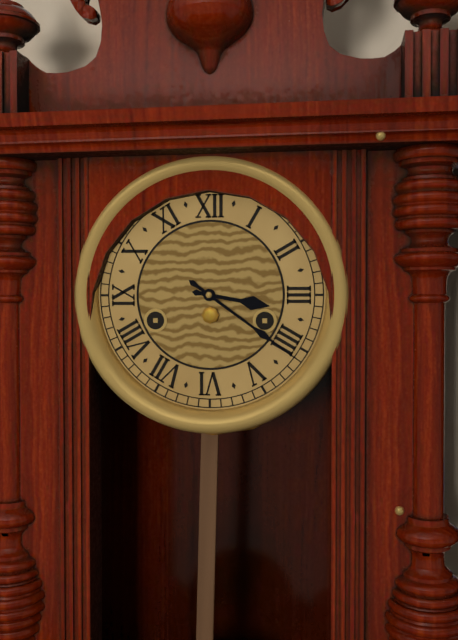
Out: 3h21
